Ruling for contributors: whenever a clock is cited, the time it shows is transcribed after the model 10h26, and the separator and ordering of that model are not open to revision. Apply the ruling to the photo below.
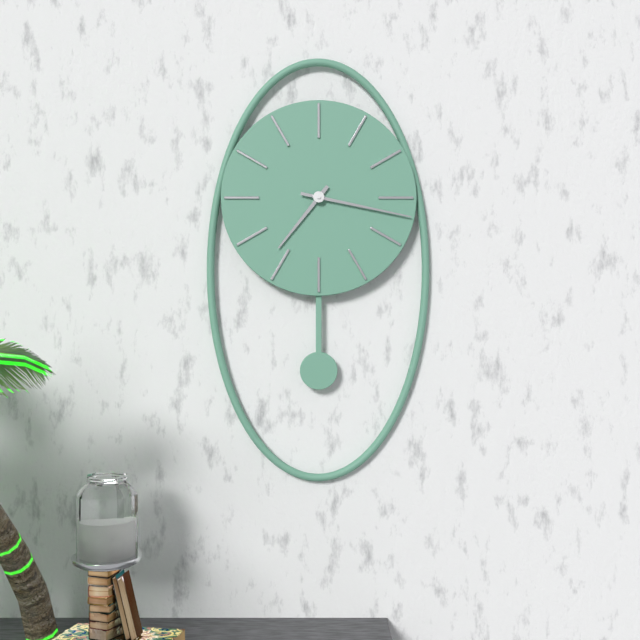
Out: 7h17
